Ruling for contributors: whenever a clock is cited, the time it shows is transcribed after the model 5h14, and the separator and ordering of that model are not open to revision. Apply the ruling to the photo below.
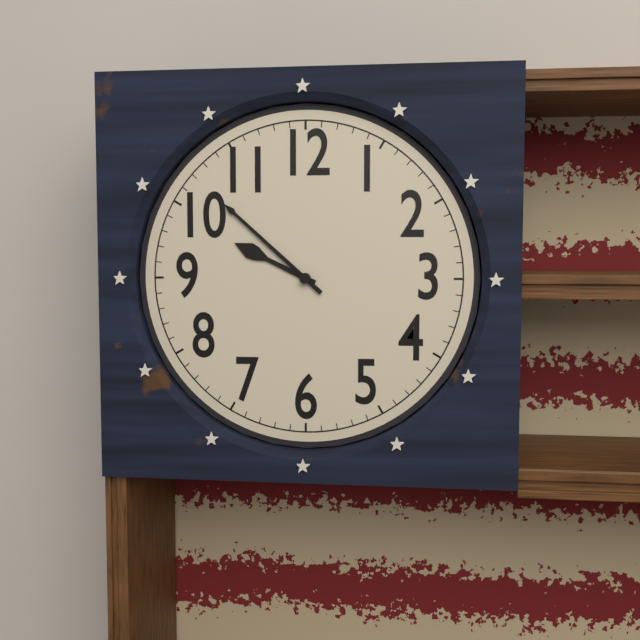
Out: 9h52
